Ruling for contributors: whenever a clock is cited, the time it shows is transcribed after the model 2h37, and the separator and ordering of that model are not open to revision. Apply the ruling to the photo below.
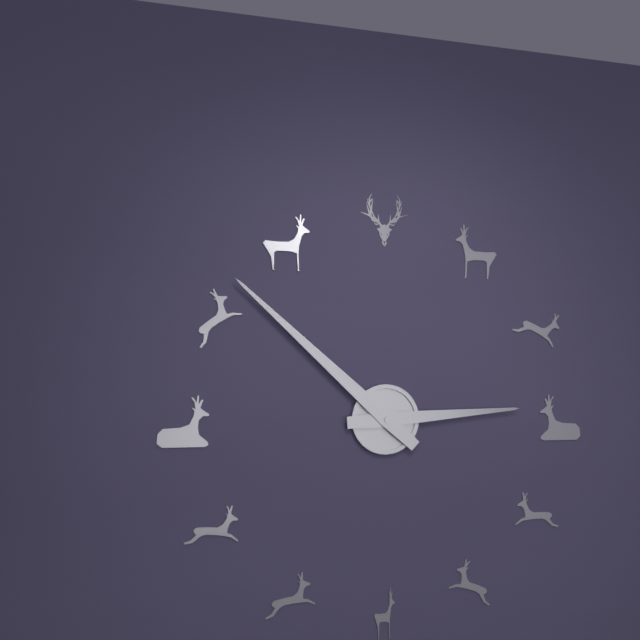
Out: 2h52
